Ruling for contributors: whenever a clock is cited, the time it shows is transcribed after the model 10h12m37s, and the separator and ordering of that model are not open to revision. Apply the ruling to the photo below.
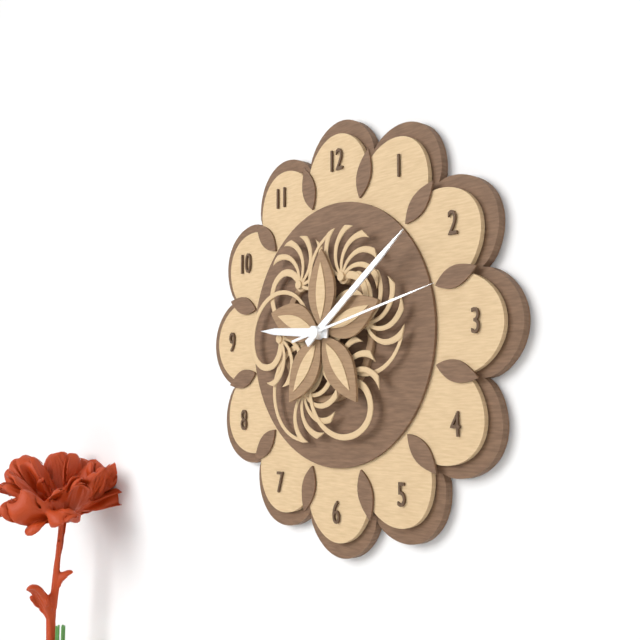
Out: 9h09m13s
